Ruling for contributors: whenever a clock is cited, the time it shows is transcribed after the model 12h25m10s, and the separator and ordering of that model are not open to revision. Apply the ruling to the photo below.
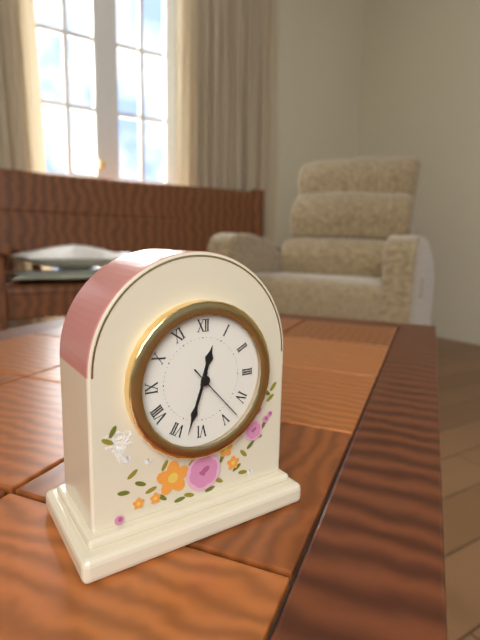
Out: 12h33m23s
